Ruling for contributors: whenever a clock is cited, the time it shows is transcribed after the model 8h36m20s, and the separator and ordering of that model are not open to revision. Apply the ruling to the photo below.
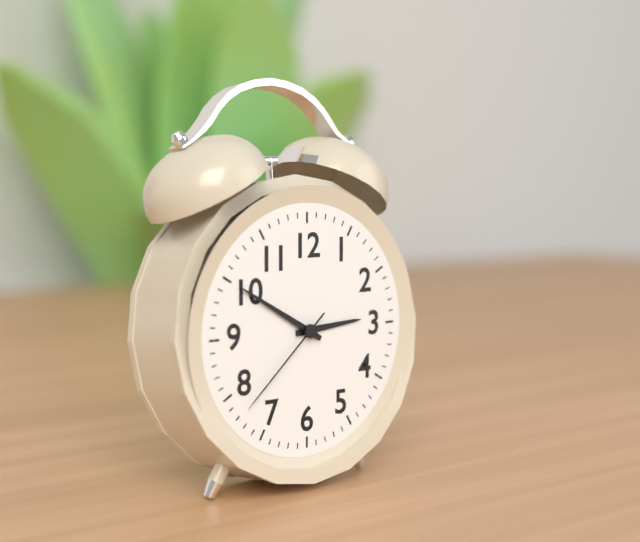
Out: 2h50m38s
